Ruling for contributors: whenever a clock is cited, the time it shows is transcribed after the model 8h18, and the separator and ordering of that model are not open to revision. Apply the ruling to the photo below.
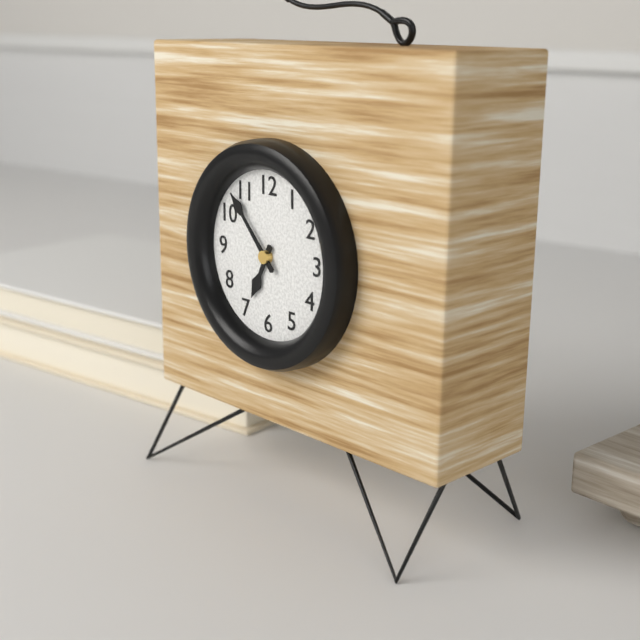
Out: 6h53
